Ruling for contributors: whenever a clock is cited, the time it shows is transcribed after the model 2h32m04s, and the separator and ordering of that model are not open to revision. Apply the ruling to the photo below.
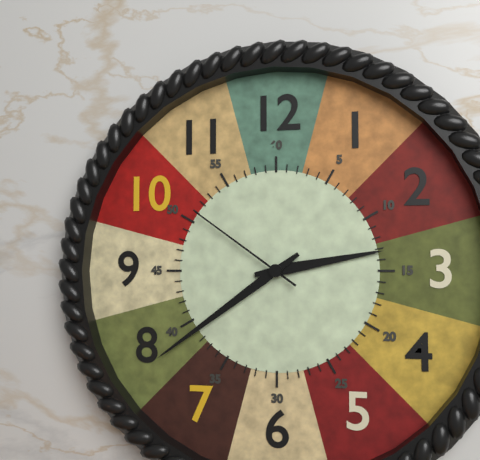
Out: 2h39m51s
